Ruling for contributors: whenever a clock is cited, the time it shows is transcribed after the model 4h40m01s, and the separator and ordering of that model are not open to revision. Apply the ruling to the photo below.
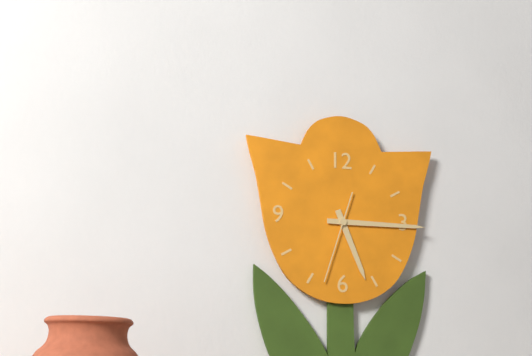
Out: 5h15m33s
